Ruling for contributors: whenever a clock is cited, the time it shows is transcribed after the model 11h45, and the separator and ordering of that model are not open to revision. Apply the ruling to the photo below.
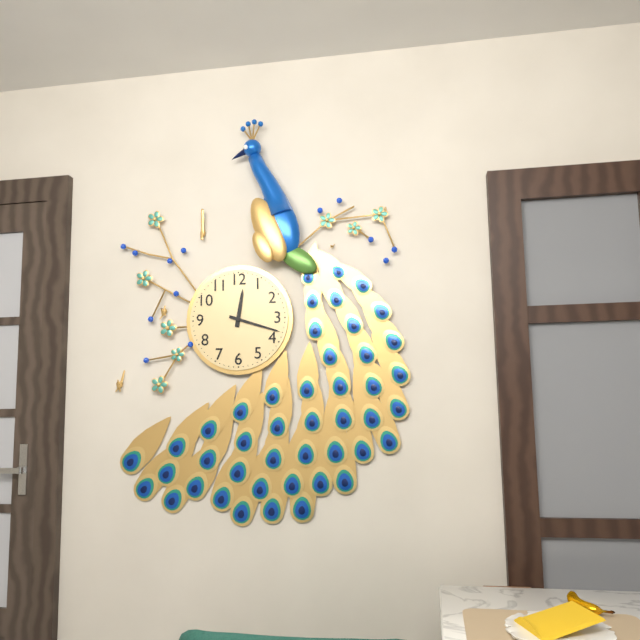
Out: 12h18
